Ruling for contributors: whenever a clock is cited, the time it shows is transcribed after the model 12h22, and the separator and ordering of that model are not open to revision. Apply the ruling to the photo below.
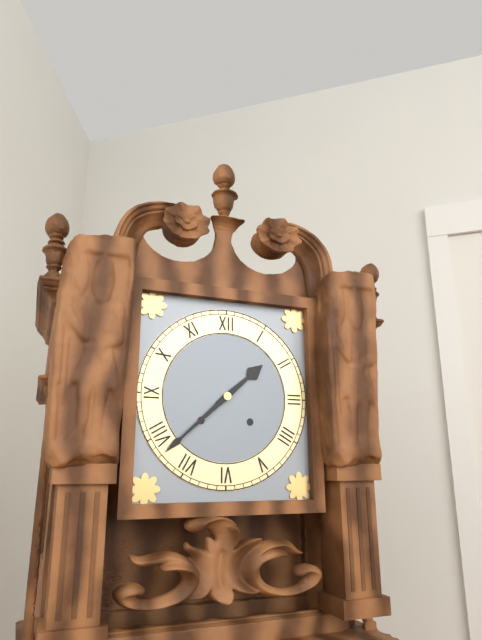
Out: 1h38
